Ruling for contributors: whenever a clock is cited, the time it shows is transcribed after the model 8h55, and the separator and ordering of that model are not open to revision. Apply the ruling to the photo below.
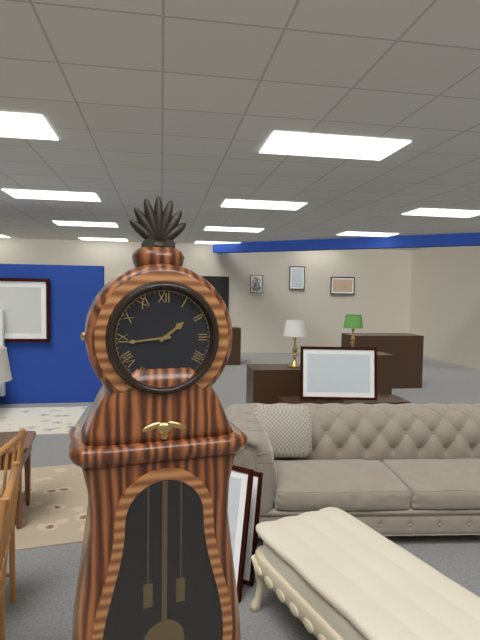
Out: 1h44
